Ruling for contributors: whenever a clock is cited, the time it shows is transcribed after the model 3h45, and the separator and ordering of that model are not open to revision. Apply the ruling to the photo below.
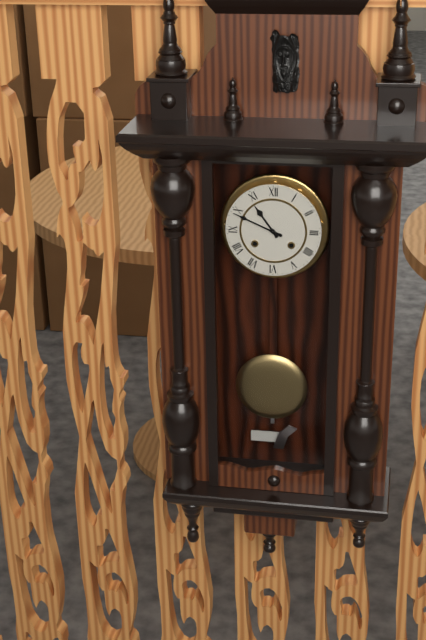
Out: 10h49
